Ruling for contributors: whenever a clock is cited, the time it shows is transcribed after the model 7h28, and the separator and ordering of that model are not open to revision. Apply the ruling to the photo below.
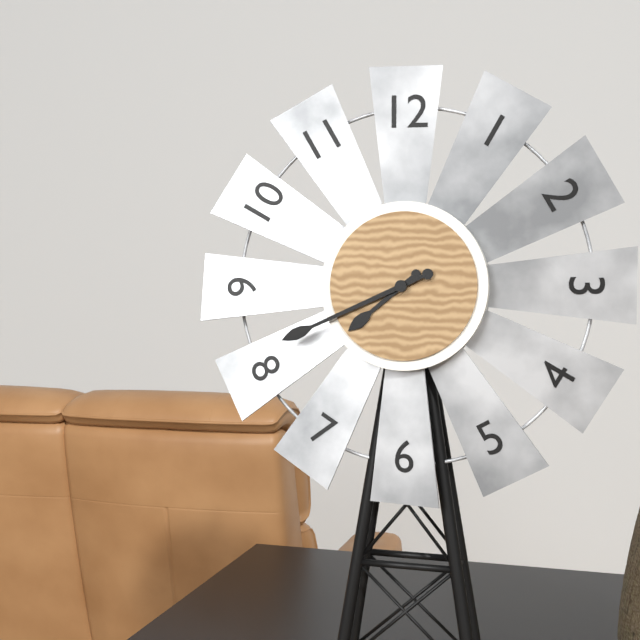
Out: 7h41
